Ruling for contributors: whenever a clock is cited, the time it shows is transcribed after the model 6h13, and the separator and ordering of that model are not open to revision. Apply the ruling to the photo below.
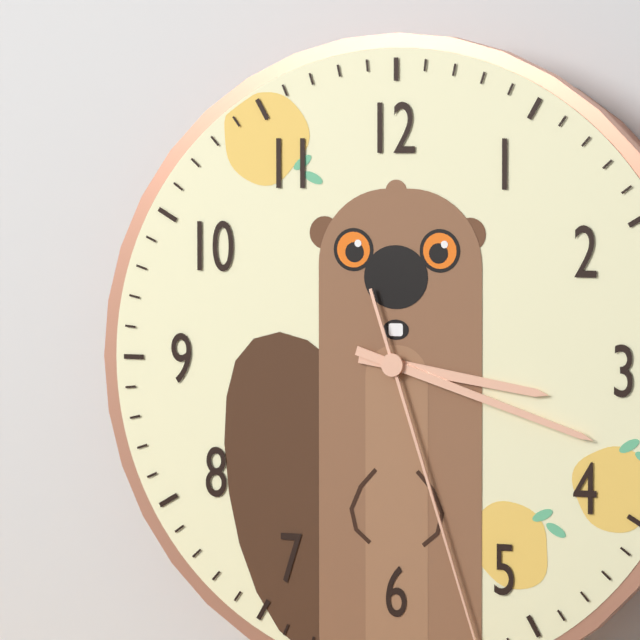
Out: 3h18
